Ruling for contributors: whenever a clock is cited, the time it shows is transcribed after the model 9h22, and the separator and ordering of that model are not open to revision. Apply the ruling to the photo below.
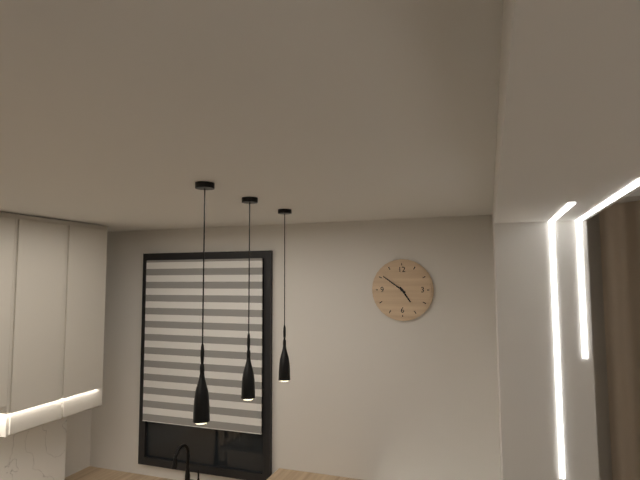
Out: 4h51
